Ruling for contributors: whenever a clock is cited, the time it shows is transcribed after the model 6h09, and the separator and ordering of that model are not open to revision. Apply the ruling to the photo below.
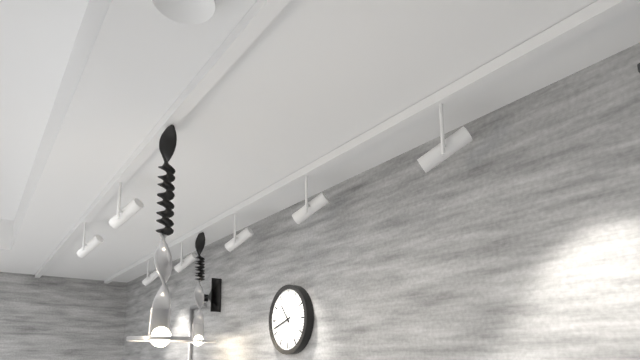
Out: 10h42
